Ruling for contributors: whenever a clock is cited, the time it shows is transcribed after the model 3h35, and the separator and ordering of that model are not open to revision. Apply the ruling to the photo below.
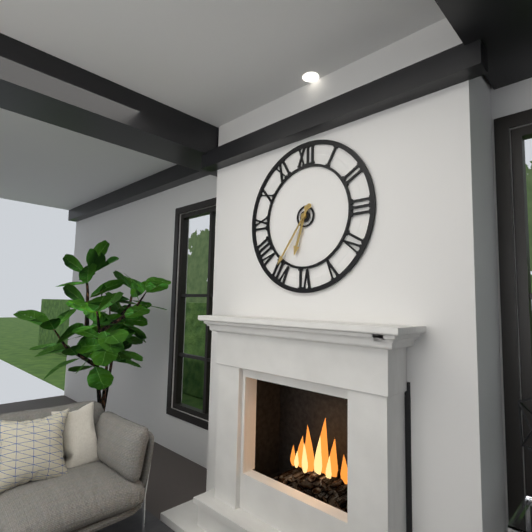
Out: 6h36
